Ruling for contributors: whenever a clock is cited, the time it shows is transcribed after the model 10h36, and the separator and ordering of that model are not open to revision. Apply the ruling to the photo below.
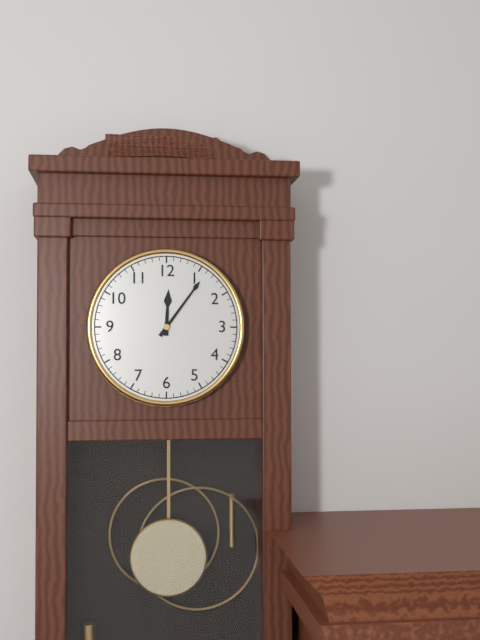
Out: 12h06
